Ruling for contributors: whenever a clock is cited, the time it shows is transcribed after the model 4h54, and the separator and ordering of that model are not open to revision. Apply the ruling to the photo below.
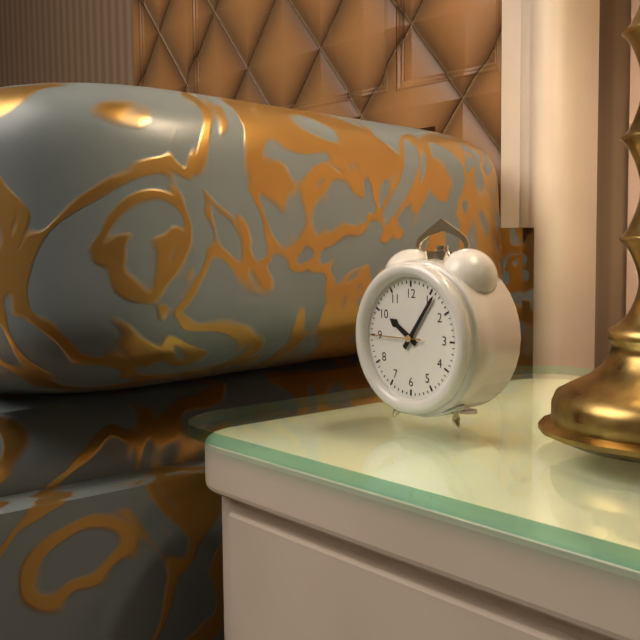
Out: 10h06
